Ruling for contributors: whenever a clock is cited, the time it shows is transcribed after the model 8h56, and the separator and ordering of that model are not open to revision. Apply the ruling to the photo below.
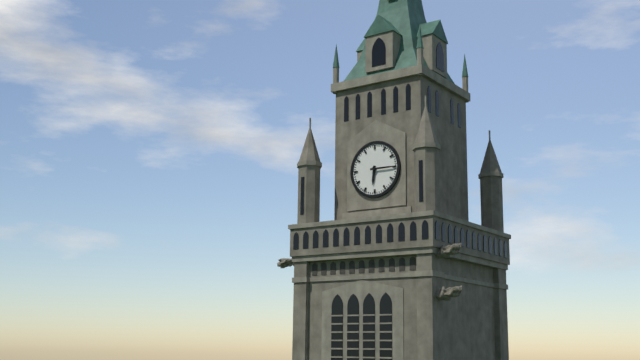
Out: 6h15
